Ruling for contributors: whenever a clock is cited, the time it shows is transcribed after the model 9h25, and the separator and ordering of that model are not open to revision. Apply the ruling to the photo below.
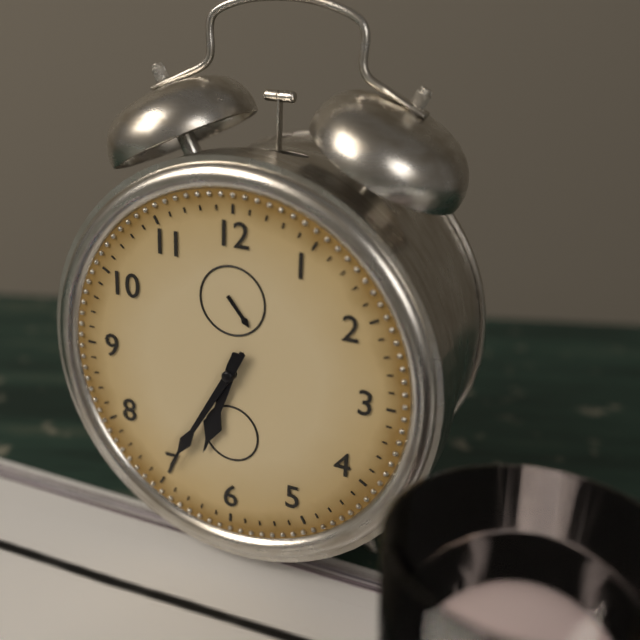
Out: 6h35
